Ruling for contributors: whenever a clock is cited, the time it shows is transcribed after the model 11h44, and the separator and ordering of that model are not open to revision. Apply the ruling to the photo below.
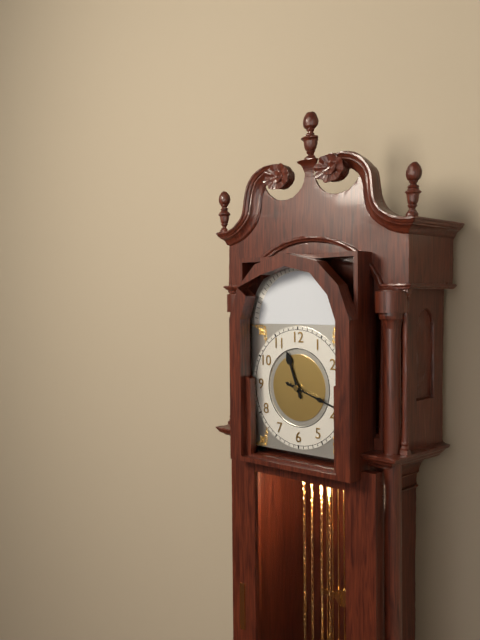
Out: 11h18
